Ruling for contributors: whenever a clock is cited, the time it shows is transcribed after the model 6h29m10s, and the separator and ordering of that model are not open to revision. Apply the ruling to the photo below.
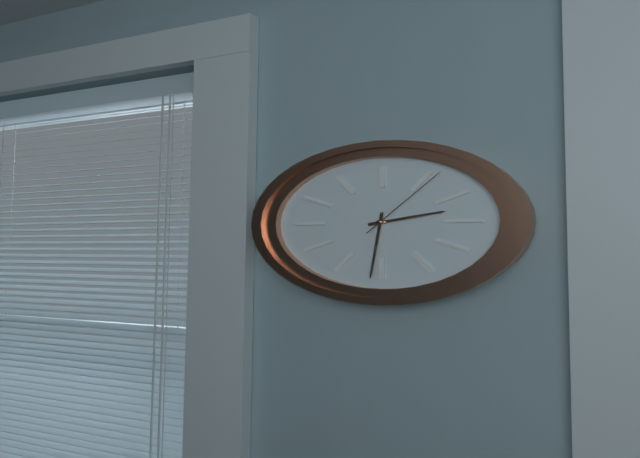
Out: 2h31m06s
